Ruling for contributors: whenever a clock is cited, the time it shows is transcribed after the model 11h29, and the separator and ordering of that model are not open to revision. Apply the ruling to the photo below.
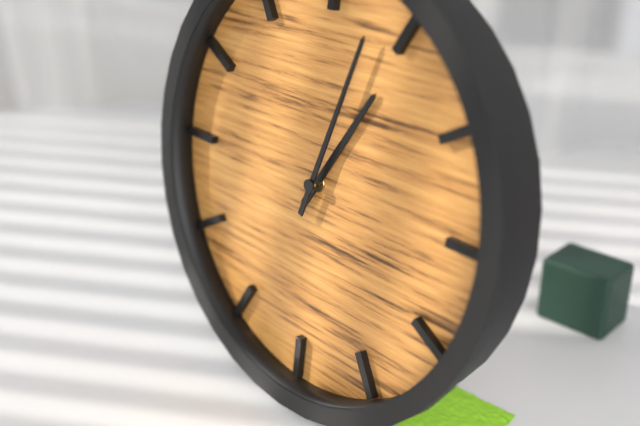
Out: 1h03
